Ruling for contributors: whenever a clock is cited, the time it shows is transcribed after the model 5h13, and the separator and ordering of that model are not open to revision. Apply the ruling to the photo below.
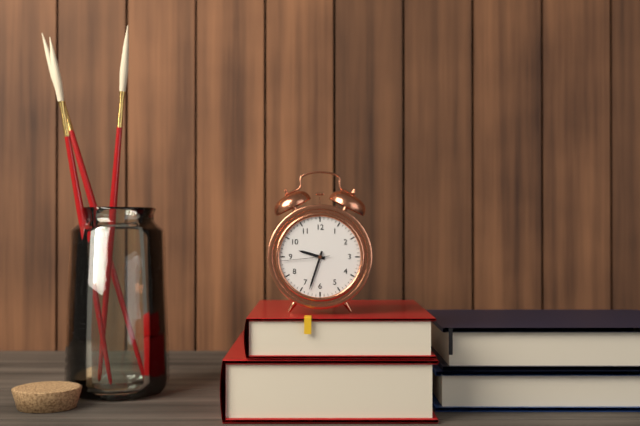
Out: 9h33
